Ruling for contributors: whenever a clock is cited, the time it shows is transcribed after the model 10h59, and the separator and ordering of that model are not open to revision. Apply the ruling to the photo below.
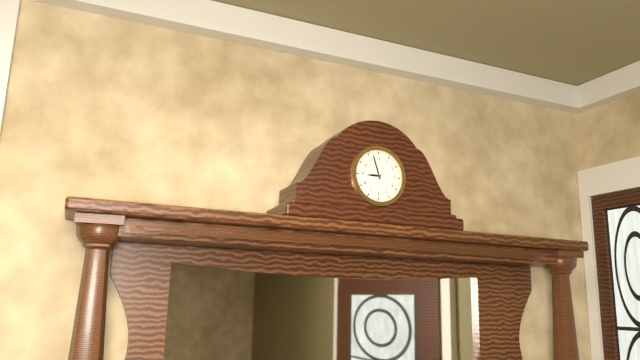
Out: 8h57
